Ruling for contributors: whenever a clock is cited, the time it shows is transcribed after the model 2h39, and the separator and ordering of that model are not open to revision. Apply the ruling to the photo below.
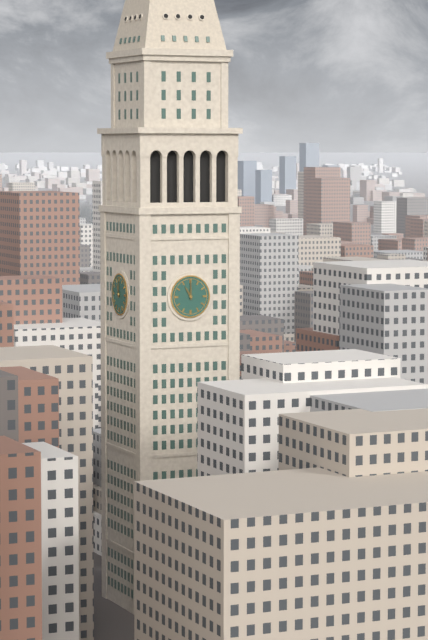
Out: 11h00
